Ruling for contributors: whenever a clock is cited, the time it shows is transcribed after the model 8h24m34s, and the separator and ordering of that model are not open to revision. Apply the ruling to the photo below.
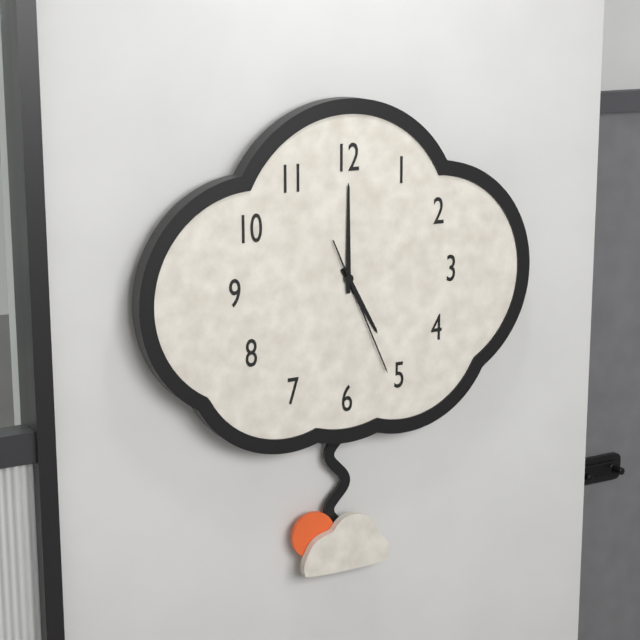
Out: 5h00m26s
